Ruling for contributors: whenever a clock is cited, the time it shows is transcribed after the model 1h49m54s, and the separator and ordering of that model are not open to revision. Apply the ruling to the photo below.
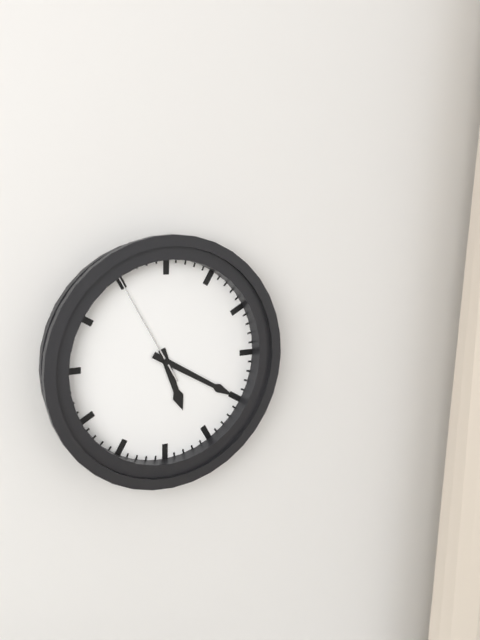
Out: 5h20m55s
